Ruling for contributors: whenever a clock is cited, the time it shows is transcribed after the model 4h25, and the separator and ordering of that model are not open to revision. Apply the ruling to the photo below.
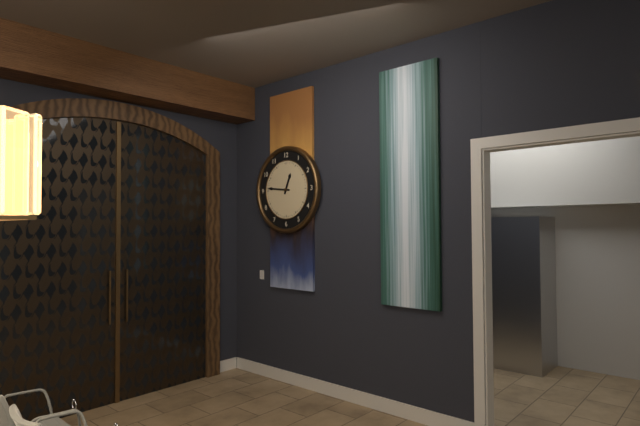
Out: 12h46
